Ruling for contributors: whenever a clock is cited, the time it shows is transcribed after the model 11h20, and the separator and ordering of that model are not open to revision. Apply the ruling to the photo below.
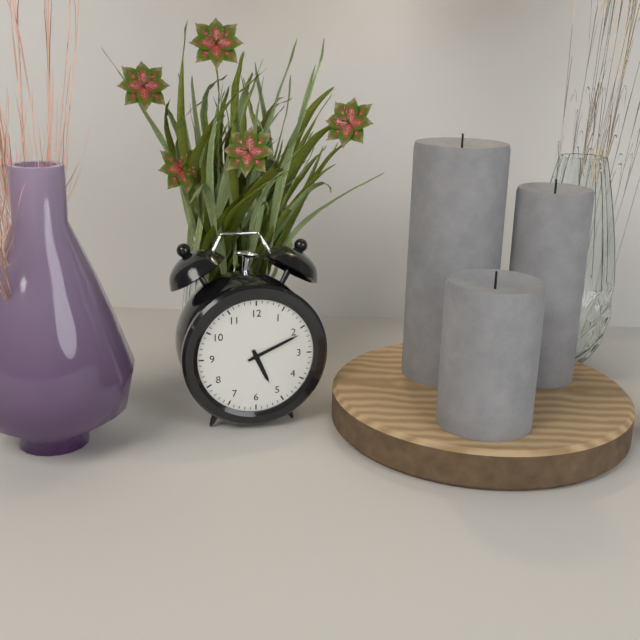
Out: 5h11
